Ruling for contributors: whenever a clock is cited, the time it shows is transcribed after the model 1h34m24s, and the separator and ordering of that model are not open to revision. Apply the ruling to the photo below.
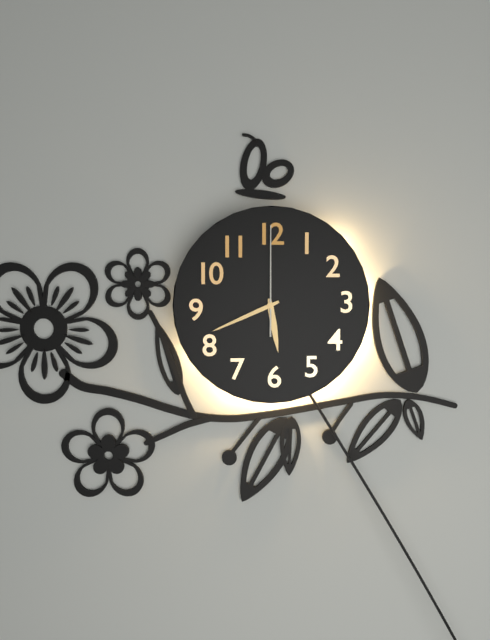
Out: 5h41m00s
